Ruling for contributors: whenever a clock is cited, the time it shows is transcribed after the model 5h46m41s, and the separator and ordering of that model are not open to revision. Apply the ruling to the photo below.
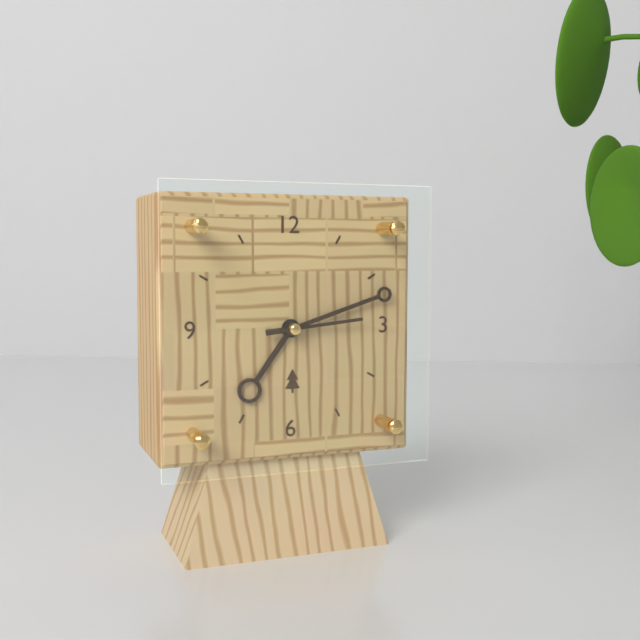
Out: 7h12m14s
